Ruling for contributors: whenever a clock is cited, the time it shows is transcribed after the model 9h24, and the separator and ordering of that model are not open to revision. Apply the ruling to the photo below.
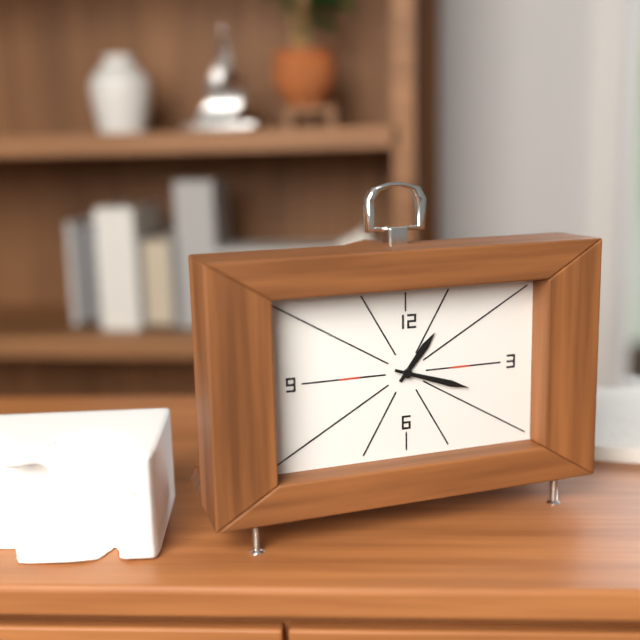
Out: 1h18
